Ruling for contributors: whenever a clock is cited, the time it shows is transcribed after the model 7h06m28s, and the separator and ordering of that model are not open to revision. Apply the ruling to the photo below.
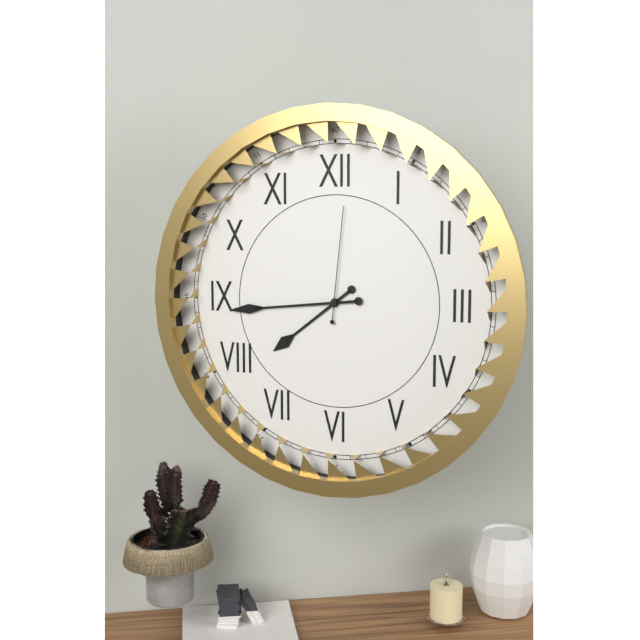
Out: 7h44m01s
